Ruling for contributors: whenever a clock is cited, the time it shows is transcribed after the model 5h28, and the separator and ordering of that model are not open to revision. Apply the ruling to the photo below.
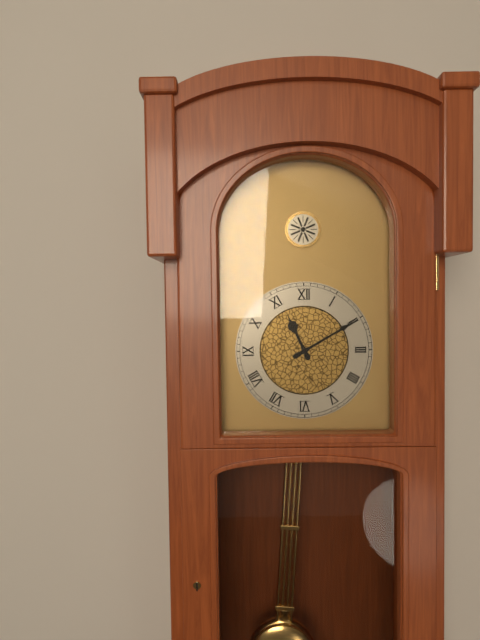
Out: 11h10
